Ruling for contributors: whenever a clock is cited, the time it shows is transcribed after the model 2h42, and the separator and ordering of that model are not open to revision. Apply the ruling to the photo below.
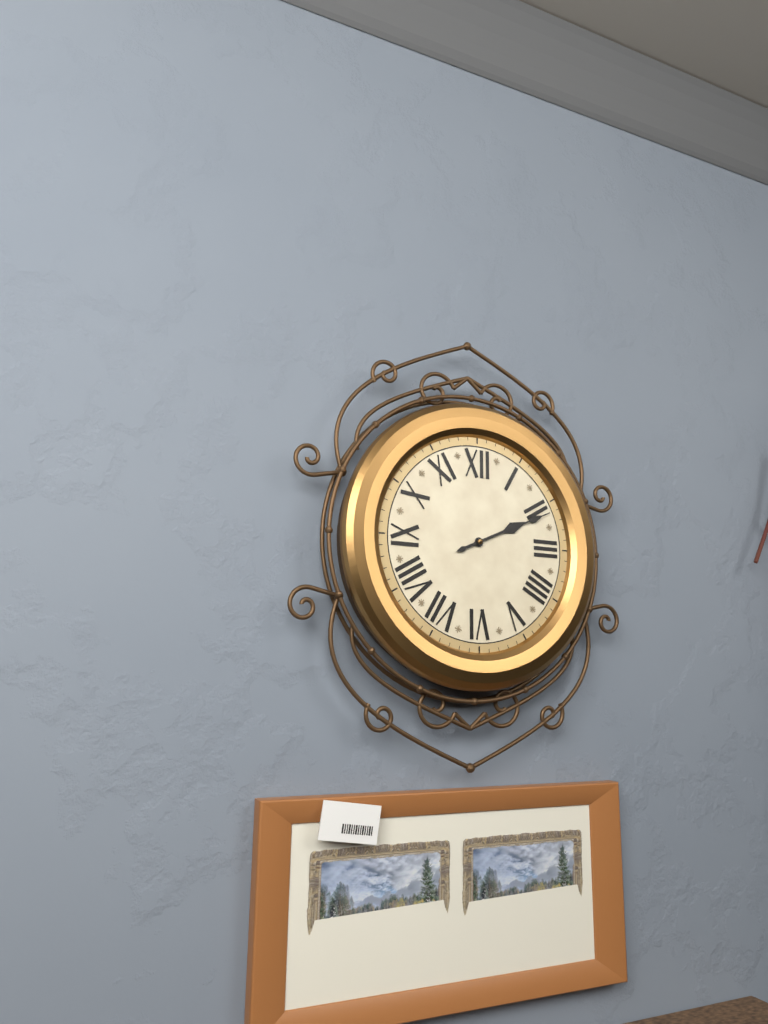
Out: 2h11
